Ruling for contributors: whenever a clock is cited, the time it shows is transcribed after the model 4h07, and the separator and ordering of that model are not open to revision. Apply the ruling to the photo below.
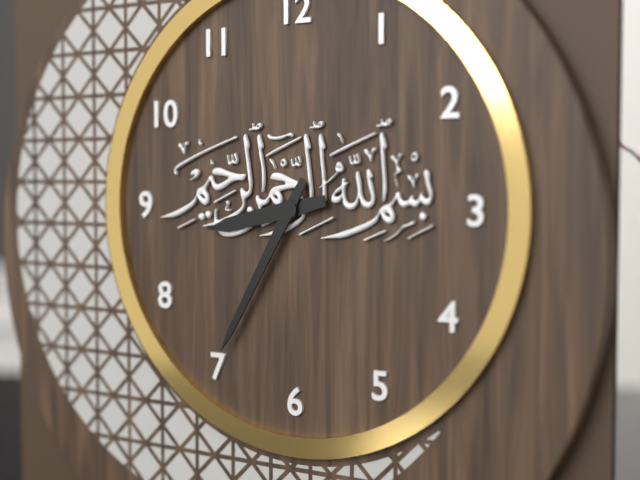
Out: 8h35
